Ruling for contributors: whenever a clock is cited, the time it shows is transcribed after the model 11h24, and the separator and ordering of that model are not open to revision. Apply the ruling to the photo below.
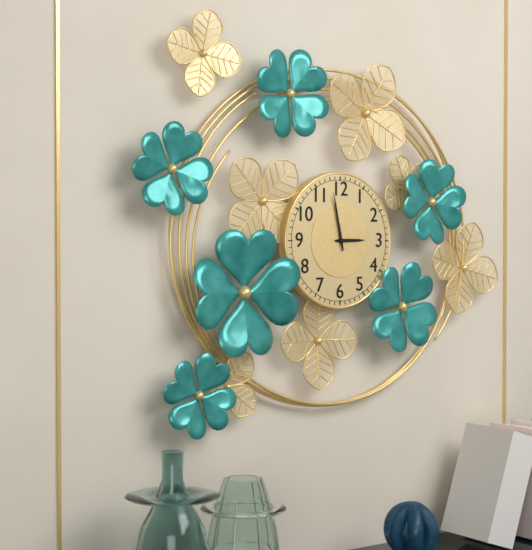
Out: 2h58
